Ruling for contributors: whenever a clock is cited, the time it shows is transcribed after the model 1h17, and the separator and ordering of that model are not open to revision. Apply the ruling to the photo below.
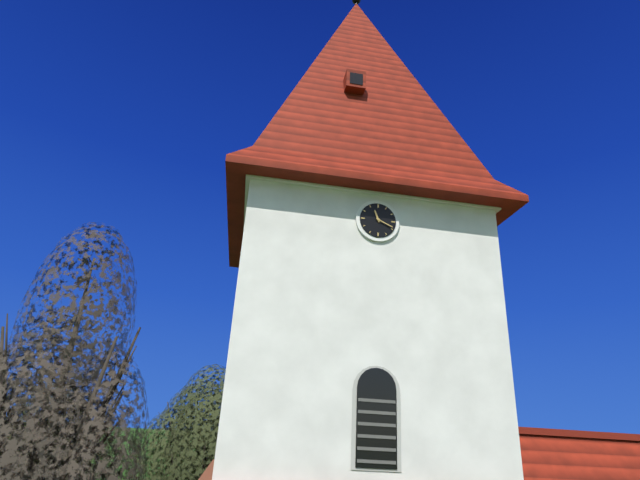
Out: 11h19
